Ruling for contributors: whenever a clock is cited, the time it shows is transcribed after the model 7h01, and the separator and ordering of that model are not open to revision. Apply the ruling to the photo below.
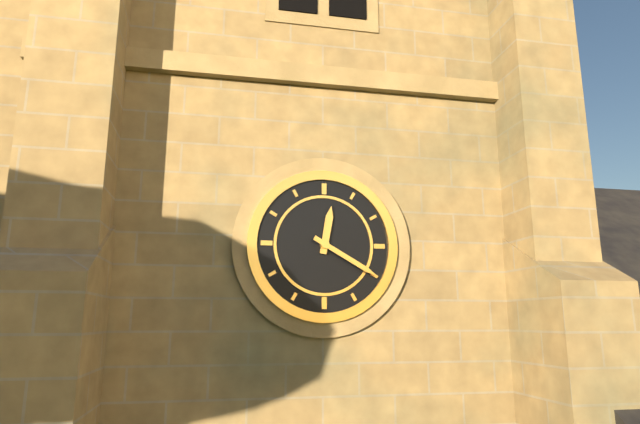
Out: 12h20
